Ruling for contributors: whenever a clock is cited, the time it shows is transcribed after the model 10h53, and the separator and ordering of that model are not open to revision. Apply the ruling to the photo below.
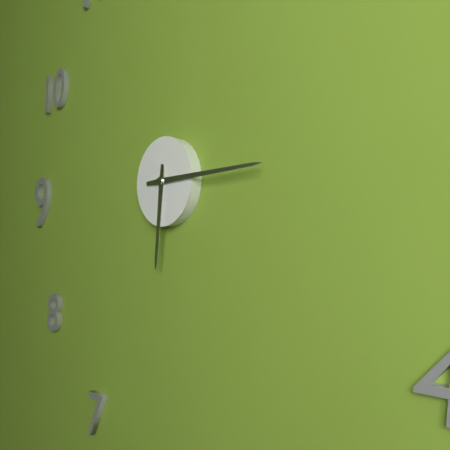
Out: 6h15
